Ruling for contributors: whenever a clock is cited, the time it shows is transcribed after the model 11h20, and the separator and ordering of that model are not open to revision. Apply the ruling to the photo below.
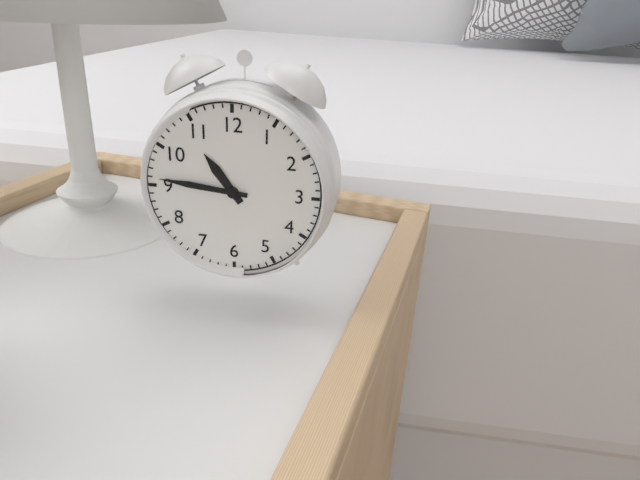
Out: 10h46
